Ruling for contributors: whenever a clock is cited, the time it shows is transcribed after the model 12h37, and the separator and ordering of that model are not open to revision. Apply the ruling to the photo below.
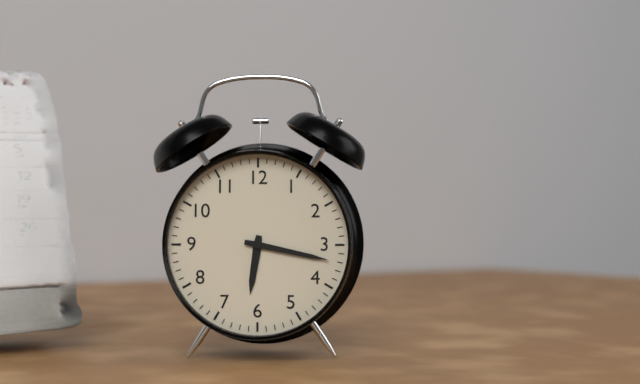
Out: 6h17
